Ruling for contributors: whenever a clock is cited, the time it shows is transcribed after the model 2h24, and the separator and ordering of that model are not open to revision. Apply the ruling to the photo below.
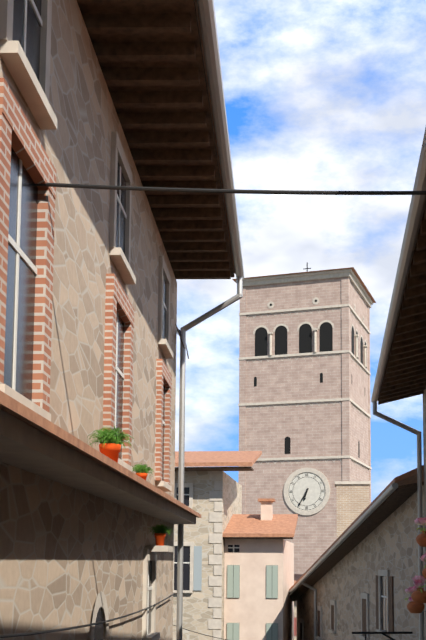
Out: 6h35
